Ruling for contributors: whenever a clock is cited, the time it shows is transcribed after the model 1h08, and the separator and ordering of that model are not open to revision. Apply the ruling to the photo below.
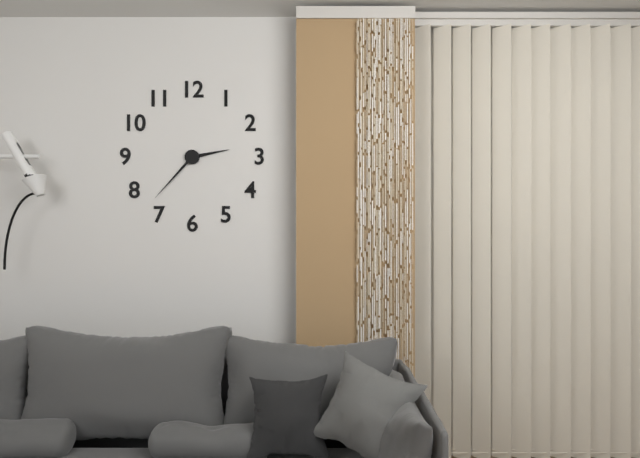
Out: 2h37
